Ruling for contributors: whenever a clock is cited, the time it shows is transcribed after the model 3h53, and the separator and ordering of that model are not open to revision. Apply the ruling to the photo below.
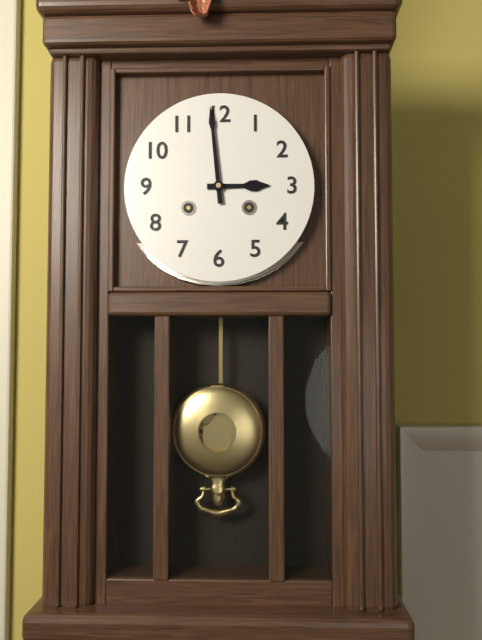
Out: 2h59
